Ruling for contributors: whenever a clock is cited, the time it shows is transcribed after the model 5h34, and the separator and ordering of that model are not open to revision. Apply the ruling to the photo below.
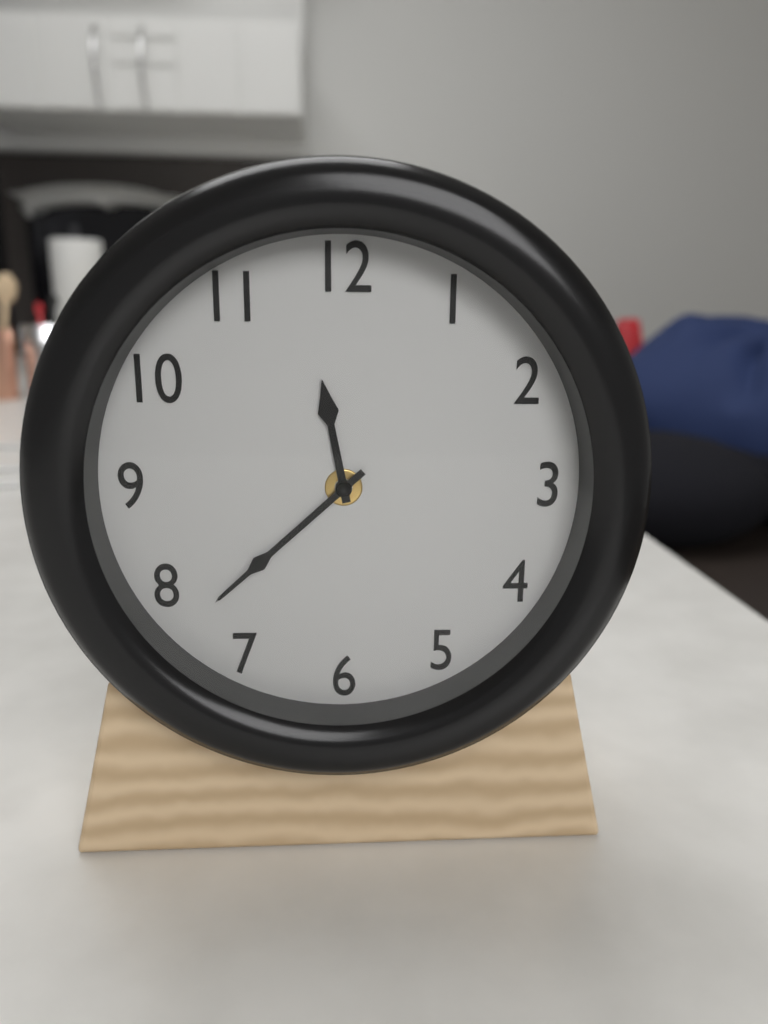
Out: 11h38
